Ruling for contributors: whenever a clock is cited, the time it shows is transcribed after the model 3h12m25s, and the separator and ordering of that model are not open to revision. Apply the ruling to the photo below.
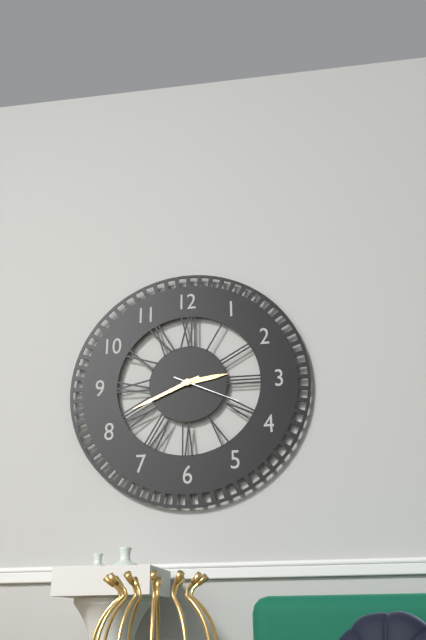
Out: 2h41m19s
